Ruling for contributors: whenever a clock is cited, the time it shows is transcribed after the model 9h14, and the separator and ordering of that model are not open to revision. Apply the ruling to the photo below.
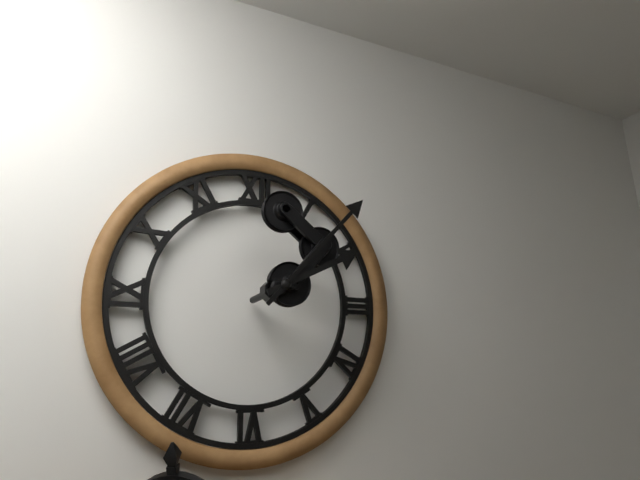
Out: 2h07
